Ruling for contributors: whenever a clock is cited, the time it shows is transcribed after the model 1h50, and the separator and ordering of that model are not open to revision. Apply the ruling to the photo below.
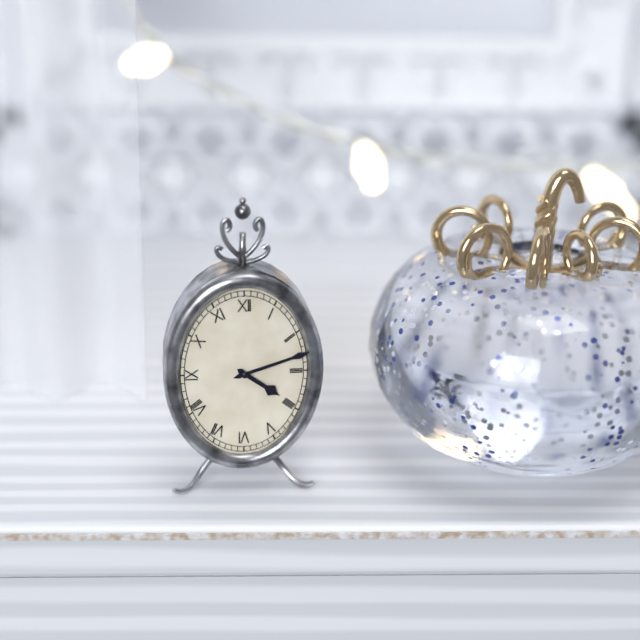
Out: 4h12
